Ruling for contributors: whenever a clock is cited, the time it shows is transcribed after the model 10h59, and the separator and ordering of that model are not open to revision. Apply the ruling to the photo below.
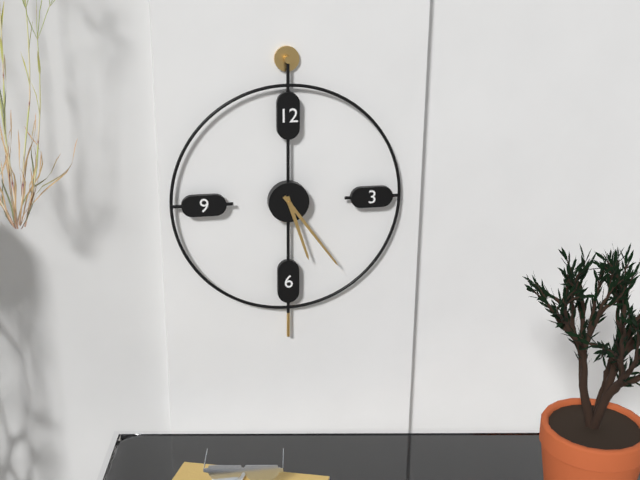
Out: 5h24
